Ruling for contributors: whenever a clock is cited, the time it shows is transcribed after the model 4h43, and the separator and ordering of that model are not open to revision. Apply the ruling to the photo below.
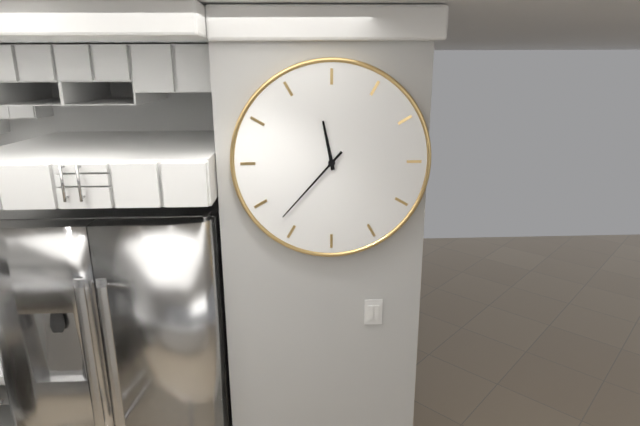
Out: 11h37
